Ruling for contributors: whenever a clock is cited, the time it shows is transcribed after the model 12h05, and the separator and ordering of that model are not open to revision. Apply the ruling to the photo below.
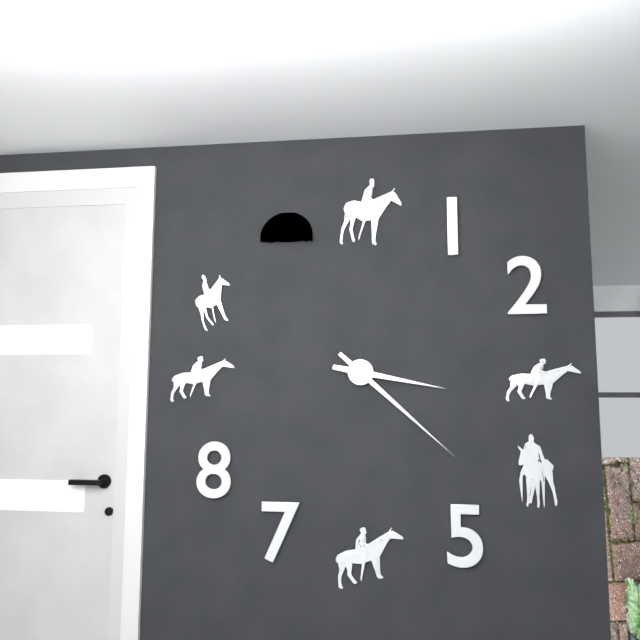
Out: 3h22
